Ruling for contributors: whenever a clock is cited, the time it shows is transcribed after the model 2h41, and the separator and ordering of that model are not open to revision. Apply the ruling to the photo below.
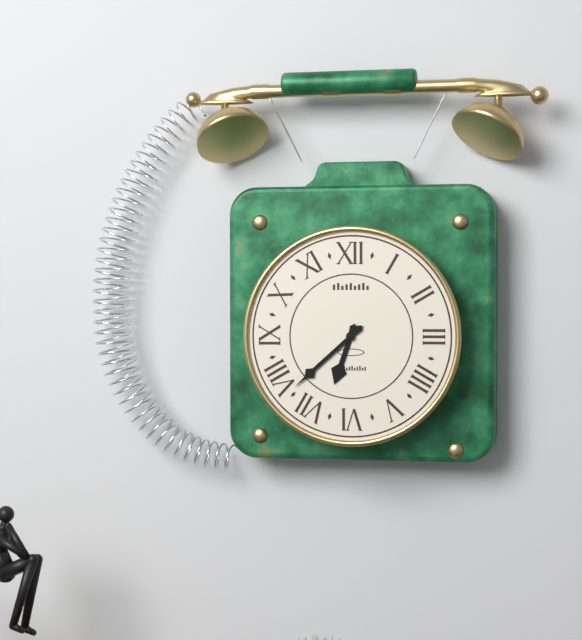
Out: 6h38
